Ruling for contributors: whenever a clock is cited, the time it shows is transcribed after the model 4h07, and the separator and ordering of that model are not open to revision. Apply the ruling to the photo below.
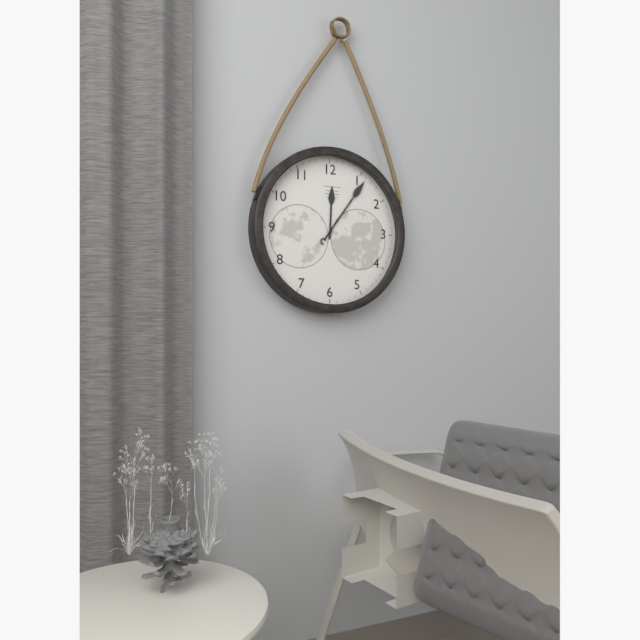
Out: 12h06
